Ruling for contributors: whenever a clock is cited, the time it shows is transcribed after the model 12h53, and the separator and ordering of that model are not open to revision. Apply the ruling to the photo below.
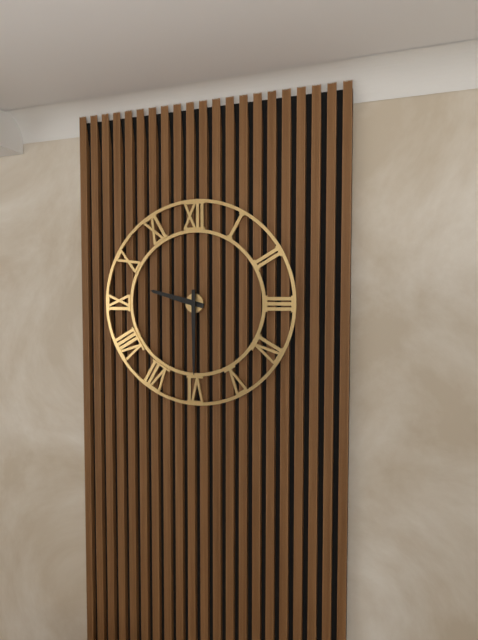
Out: 9h30
